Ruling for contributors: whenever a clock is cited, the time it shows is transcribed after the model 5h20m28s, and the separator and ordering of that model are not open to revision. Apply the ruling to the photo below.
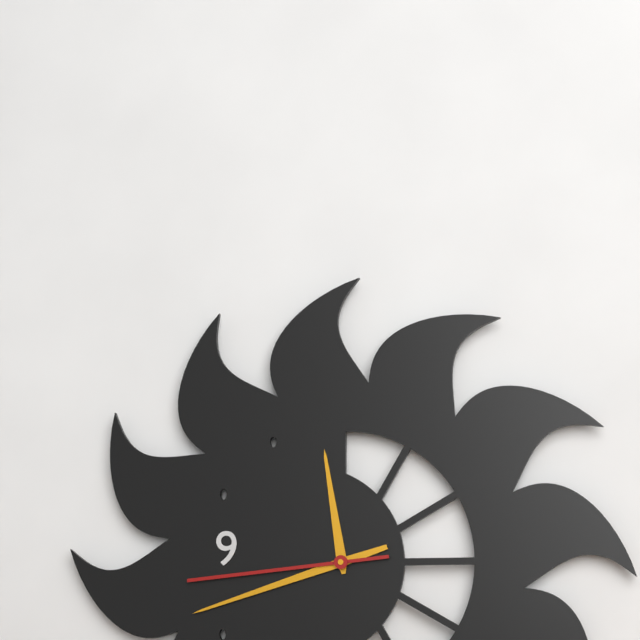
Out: 11h42m44s
